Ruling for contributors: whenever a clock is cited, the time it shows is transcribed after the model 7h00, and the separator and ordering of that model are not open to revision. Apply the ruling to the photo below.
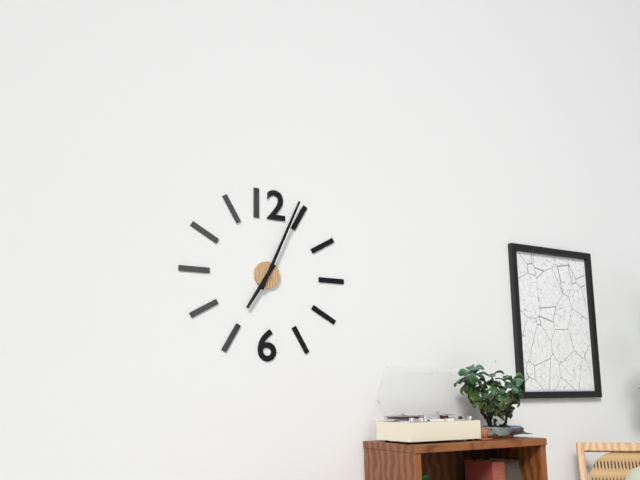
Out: 7h04
